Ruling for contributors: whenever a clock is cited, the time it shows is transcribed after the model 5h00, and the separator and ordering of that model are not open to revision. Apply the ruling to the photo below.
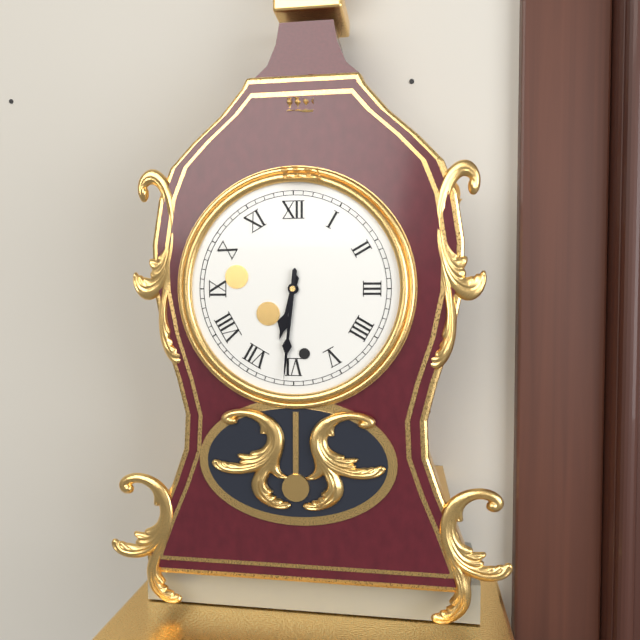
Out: 6h31
